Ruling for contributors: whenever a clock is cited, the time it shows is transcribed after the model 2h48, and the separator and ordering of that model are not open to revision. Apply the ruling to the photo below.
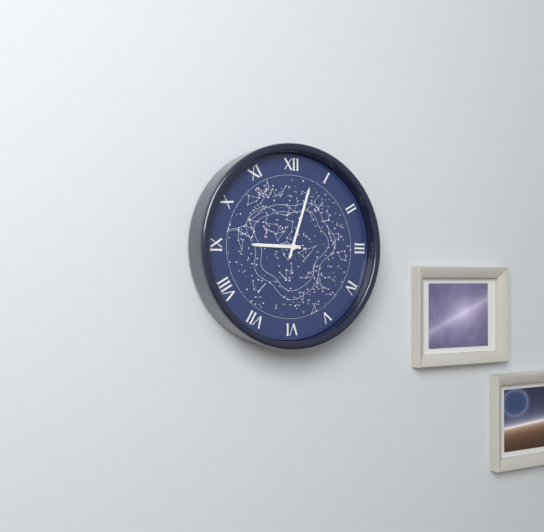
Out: 9h03
